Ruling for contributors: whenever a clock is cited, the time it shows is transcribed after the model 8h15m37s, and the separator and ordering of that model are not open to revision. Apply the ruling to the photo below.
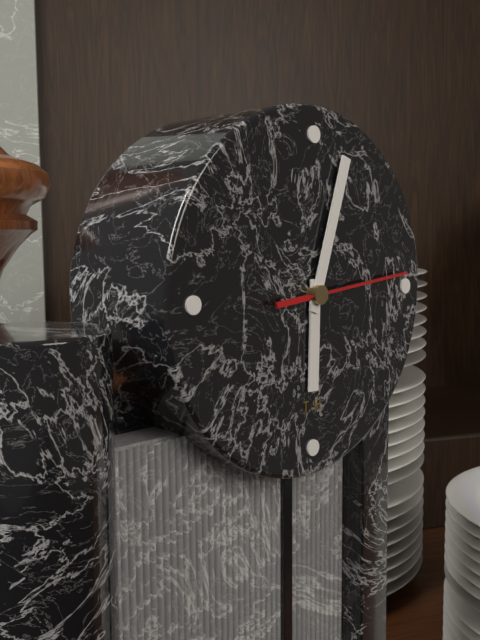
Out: 6h03m14s
